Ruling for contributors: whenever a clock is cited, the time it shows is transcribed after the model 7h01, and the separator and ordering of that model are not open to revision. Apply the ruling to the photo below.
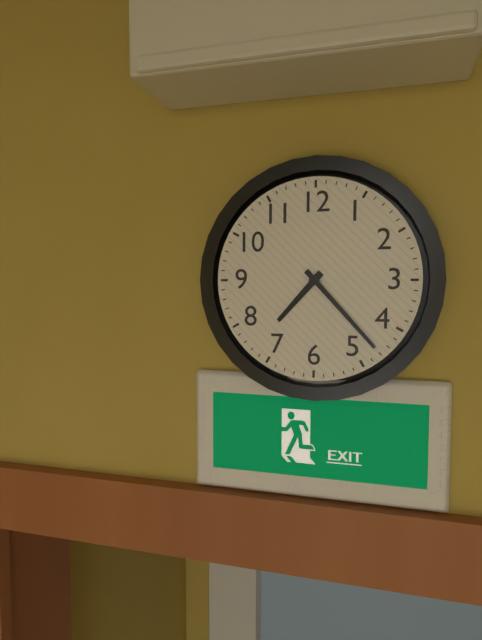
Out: 7h23
